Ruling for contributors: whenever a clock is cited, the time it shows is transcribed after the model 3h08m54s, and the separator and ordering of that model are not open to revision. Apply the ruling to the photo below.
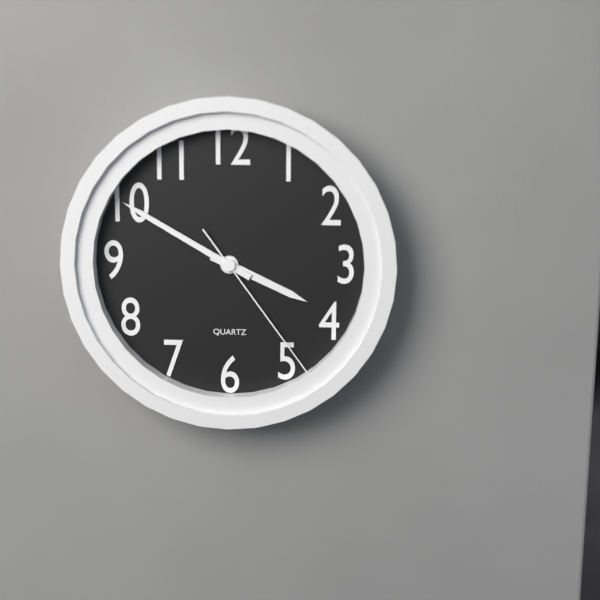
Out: 3h50m24s
